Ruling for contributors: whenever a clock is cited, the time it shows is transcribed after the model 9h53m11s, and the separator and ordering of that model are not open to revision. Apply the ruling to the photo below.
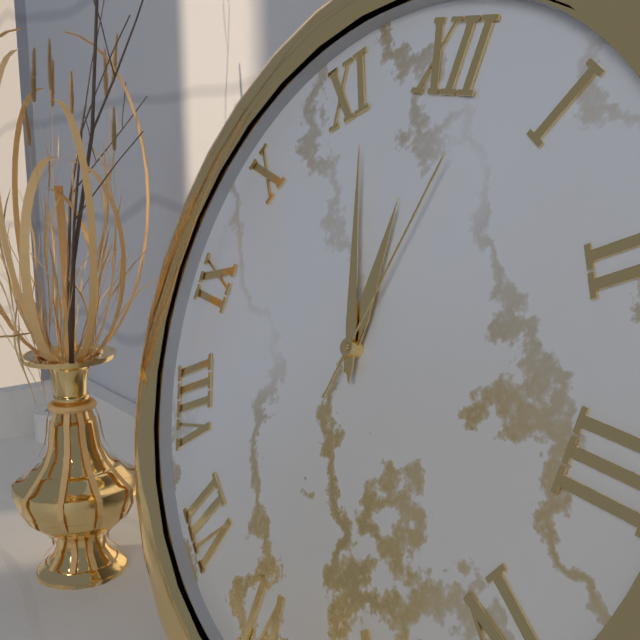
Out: 11h56m02s
